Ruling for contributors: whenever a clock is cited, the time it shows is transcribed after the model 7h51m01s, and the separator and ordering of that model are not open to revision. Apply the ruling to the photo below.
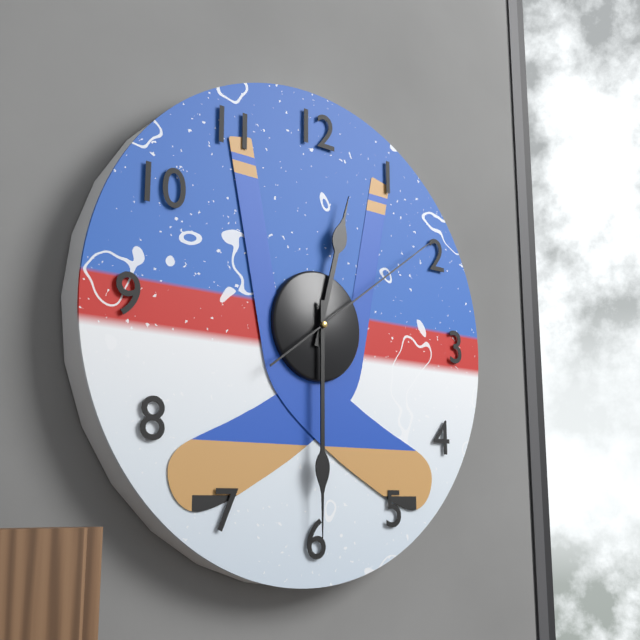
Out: 12h30m09s
